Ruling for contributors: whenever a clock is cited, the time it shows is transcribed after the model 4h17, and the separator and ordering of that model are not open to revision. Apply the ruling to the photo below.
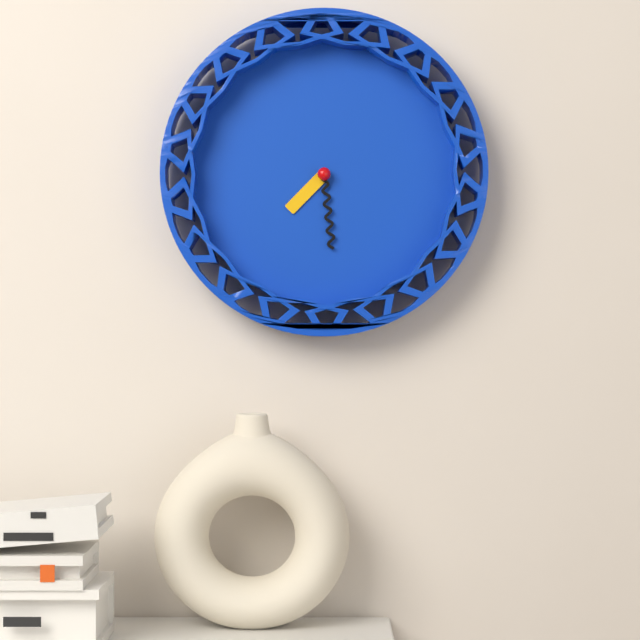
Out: 7h29
